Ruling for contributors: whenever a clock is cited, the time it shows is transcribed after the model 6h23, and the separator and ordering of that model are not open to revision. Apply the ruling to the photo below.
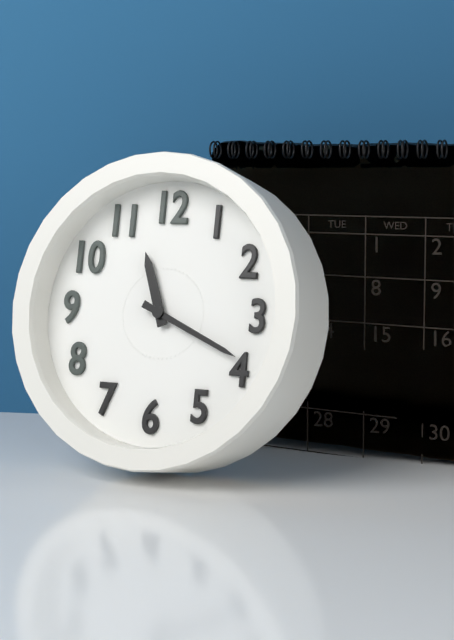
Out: 11h19
